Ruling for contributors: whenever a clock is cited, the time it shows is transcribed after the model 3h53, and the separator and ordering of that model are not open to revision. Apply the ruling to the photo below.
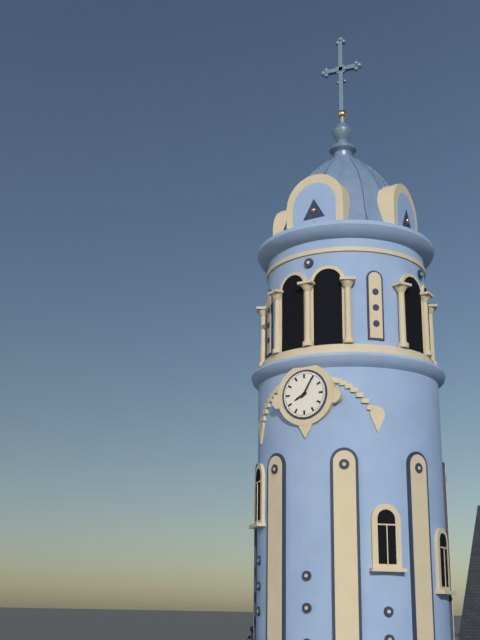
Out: 8h05
